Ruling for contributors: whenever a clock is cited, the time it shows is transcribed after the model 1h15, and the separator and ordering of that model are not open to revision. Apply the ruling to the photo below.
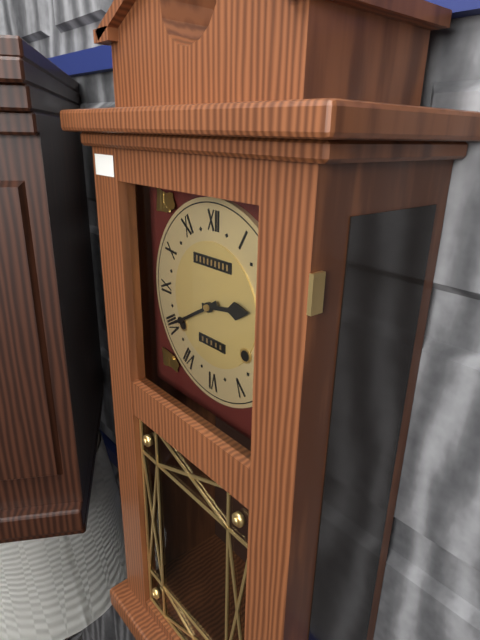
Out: 2h40
